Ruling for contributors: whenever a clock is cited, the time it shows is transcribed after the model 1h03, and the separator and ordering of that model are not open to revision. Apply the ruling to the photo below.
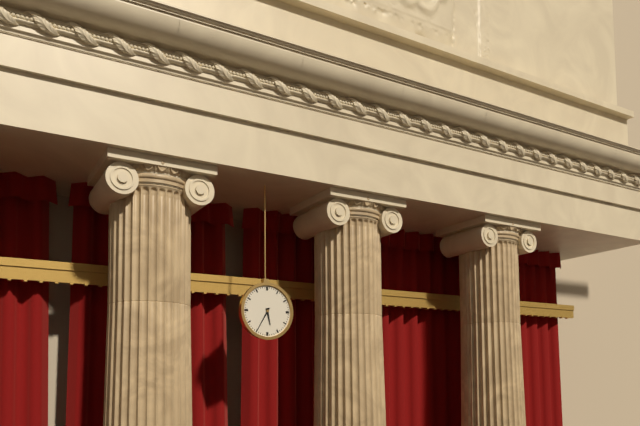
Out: 5h35
